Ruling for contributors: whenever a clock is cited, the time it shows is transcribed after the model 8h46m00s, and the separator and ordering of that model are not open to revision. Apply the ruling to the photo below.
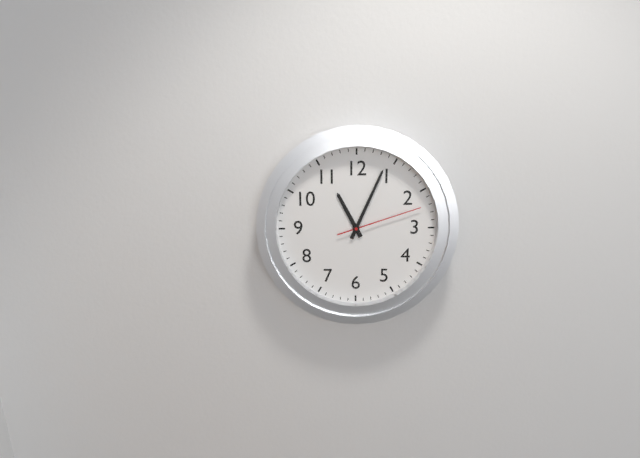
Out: 11h04m12s
